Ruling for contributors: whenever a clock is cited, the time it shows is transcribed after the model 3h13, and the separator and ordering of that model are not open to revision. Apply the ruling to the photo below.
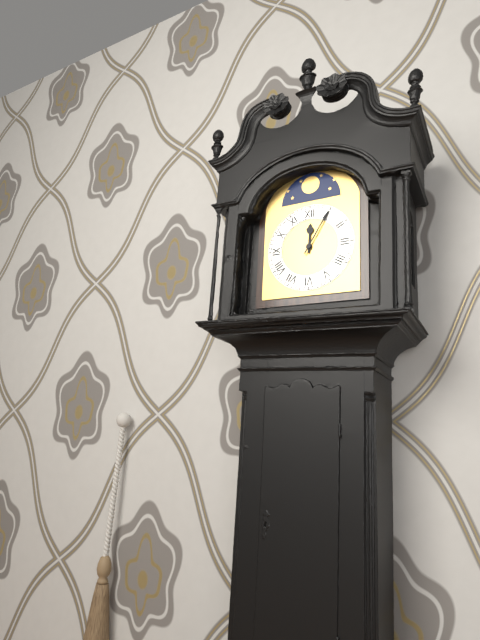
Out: 12h05
